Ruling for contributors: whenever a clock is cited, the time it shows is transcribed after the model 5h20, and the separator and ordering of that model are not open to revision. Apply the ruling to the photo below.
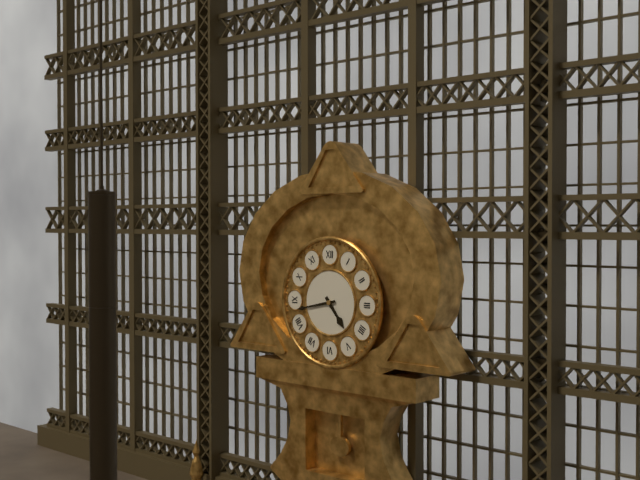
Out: 4h43
